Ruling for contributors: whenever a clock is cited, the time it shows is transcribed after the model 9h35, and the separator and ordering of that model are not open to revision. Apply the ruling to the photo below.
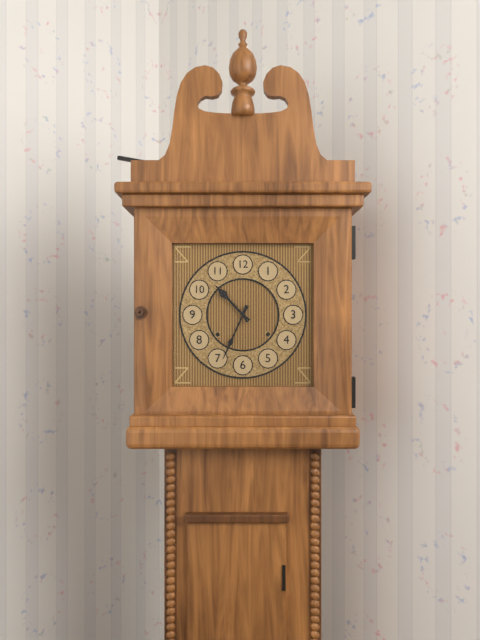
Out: 10h34
